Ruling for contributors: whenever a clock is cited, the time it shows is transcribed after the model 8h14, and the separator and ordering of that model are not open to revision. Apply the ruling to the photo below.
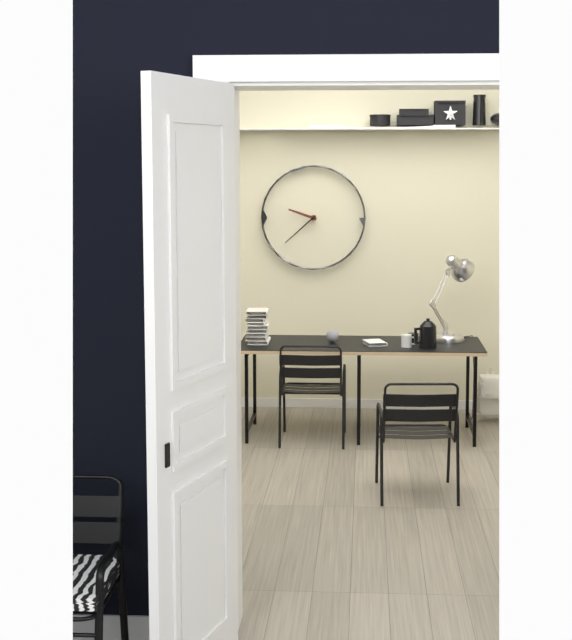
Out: 9h38
